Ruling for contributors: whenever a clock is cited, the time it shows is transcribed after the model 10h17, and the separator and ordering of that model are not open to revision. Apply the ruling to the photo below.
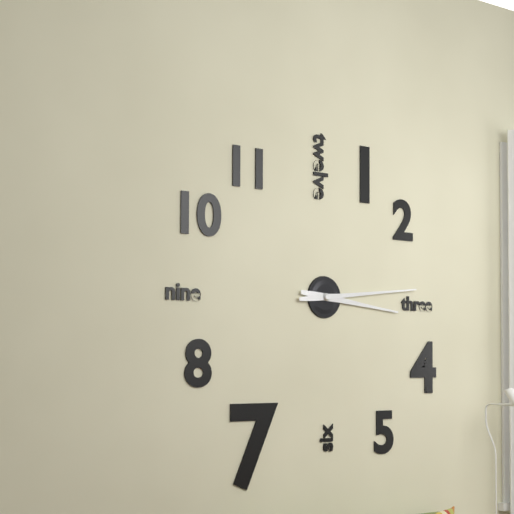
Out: 3h14
